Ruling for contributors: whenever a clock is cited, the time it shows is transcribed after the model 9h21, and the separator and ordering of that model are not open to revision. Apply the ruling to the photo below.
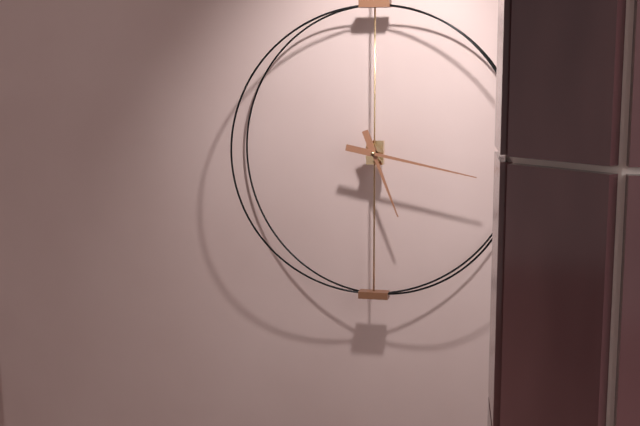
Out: 5h17
